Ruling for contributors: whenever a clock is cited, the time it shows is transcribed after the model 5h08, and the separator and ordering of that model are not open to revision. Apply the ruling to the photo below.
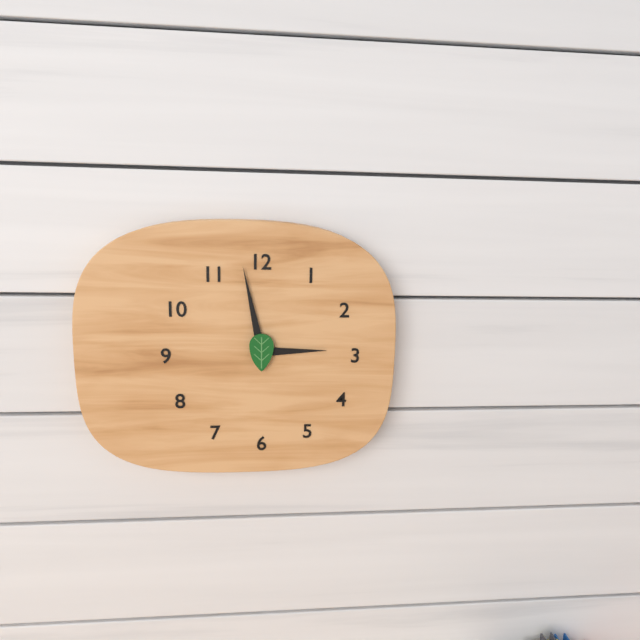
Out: 2h58
